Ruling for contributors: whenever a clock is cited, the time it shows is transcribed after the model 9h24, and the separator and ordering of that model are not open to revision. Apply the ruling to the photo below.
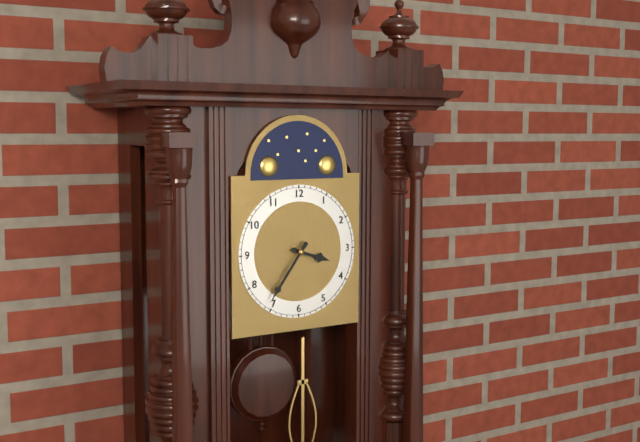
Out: 3h36
